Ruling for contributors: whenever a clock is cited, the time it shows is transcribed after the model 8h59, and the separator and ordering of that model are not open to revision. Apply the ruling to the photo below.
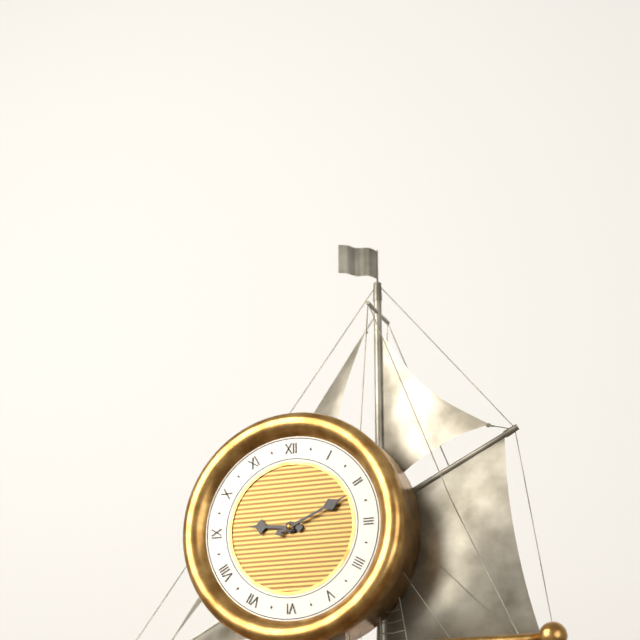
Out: 9h11
